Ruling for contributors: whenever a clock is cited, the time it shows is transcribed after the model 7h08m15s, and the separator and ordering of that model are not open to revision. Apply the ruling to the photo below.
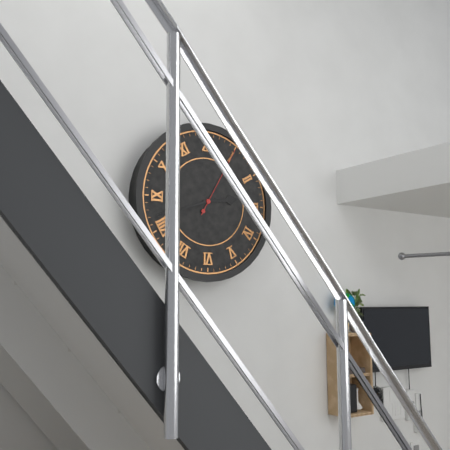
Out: 2h42m05s
